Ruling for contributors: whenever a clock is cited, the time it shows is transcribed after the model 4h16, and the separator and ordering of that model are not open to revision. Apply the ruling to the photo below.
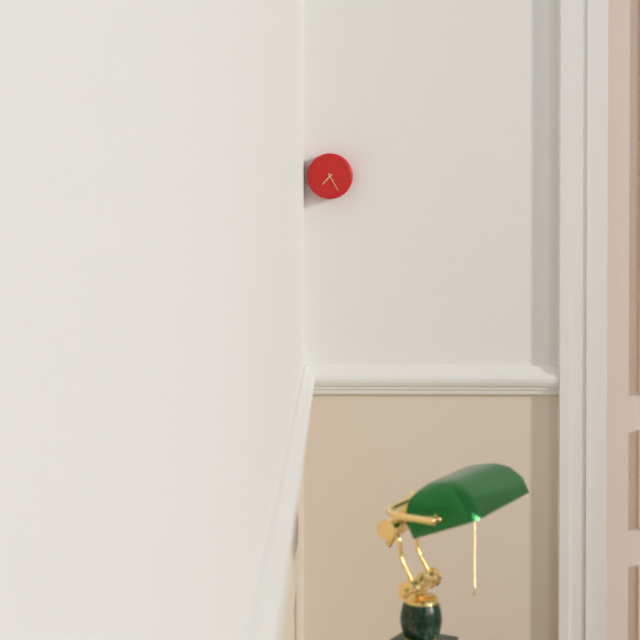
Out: 7h25
